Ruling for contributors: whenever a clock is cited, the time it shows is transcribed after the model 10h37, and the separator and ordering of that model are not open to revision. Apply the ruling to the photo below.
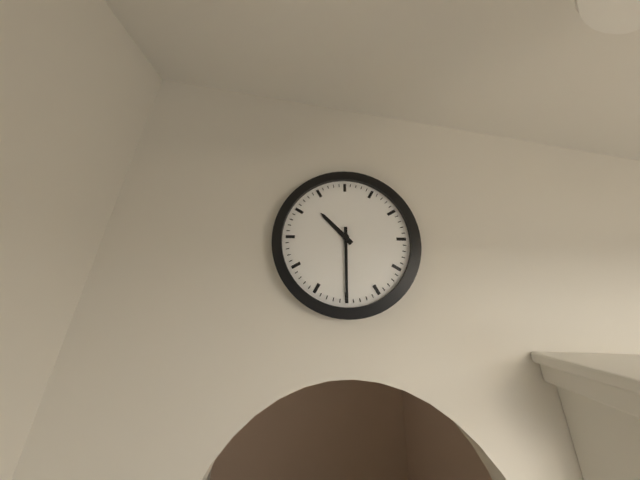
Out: 10h30
